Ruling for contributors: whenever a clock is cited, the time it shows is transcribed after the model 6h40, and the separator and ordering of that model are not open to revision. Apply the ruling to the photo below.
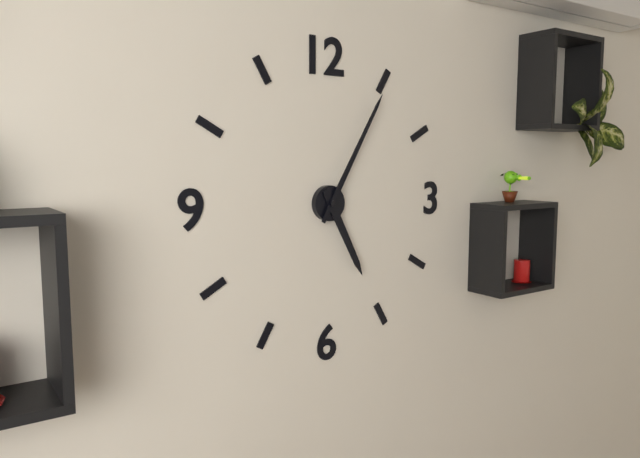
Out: 5h05
